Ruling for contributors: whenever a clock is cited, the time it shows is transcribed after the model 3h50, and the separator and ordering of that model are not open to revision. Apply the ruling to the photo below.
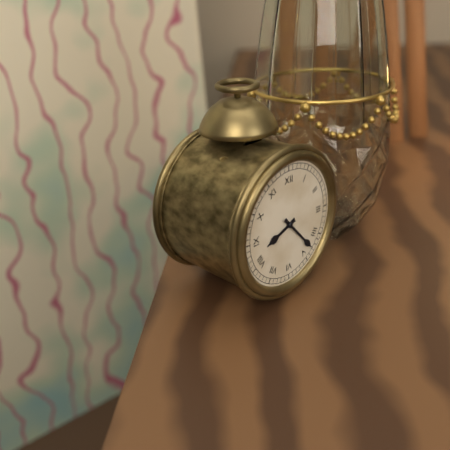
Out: 8h23
